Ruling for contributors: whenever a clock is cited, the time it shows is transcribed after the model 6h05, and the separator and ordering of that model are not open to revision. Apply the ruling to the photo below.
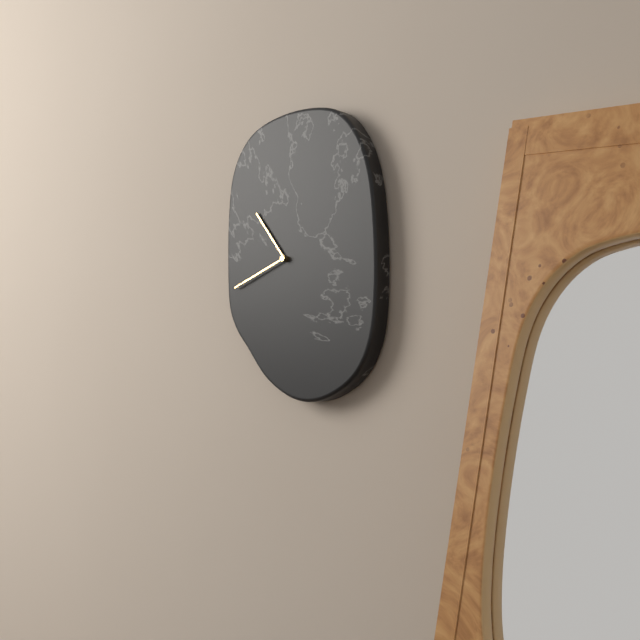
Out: 10h42
